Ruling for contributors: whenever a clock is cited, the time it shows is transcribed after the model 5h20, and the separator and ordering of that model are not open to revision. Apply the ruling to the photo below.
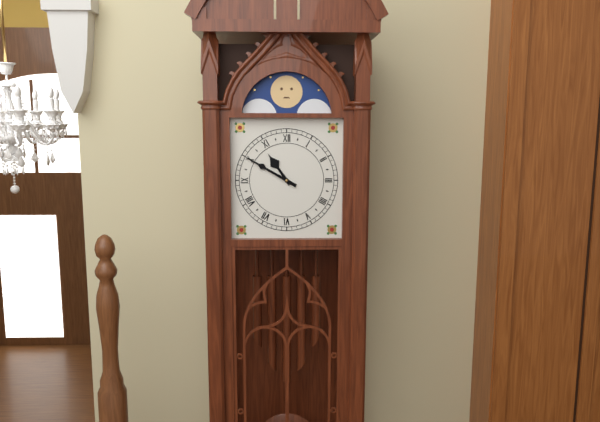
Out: 10h50
